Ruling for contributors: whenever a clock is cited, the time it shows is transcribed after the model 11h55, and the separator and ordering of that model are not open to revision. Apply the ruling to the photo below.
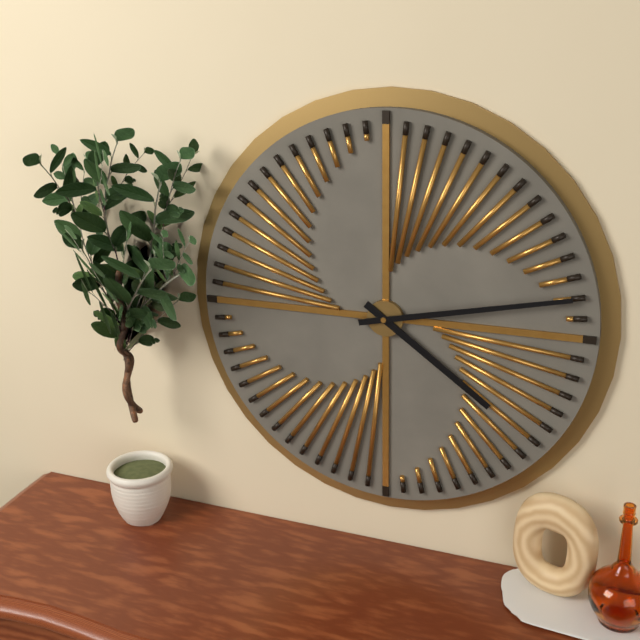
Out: 4h13
